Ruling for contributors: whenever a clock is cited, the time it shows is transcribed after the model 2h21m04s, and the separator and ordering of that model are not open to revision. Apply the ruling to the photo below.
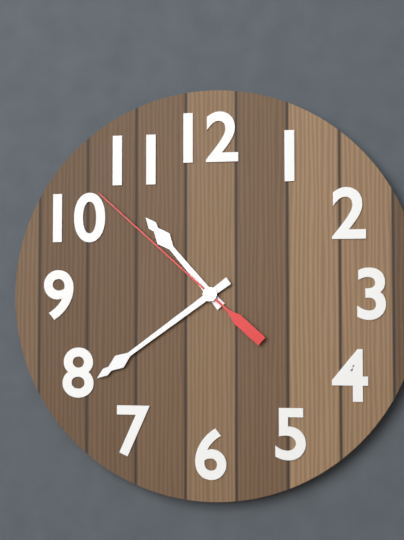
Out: 10h39m52s
